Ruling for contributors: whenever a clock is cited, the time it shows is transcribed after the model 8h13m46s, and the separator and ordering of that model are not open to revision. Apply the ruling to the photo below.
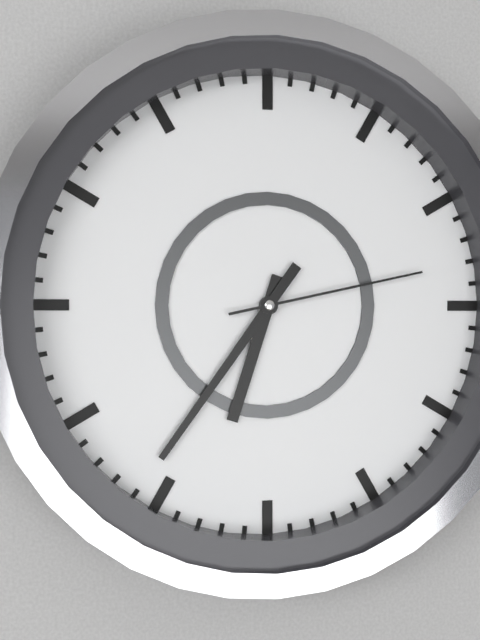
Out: 6h36m13s
